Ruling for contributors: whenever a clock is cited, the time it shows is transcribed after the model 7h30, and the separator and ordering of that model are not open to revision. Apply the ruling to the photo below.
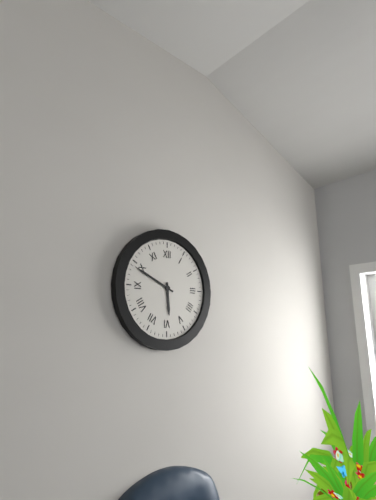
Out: 5h49
